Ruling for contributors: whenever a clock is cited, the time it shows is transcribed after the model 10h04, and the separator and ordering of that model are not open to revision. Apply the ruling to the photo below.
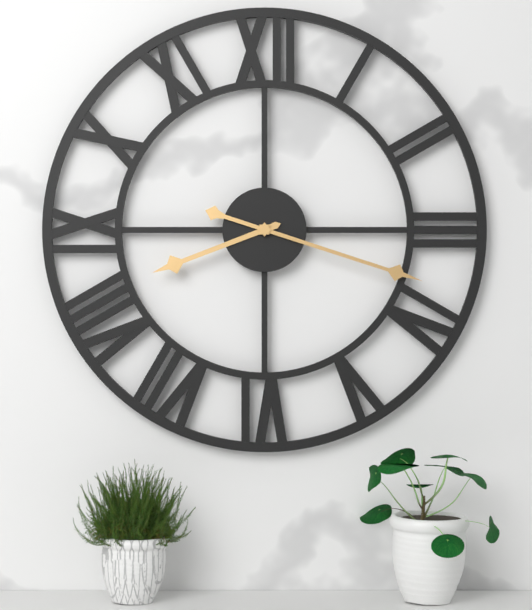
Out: 8h18
